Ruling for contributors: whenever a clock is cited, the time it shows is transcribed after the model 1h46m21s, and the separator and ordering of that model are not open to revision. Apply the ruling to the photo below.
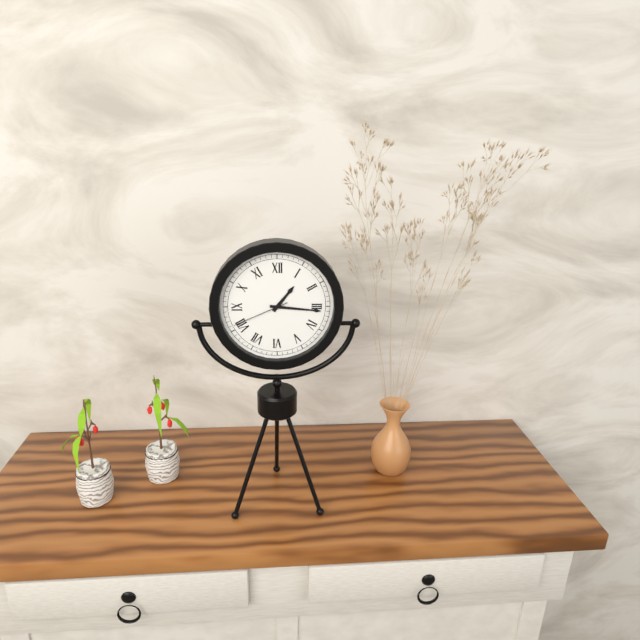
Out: 1h16m41s
